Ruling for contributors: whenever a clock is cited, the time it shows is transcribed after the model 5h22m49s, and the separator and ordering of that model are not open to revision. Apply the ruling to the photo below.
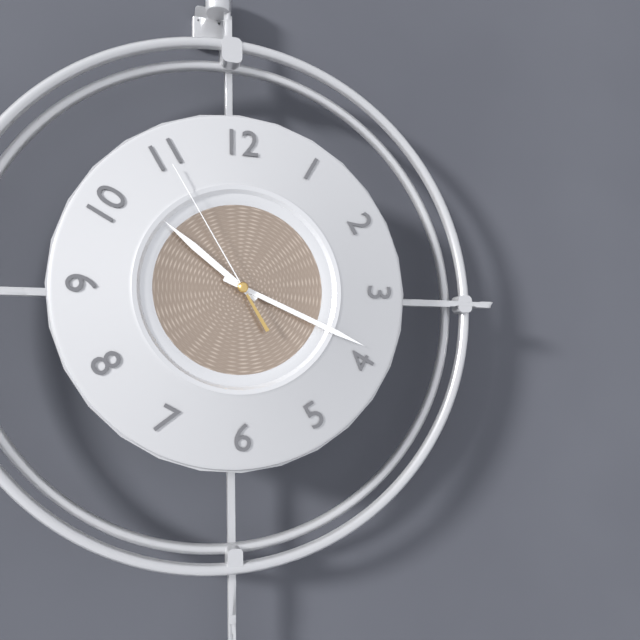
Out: 10h19m55s
